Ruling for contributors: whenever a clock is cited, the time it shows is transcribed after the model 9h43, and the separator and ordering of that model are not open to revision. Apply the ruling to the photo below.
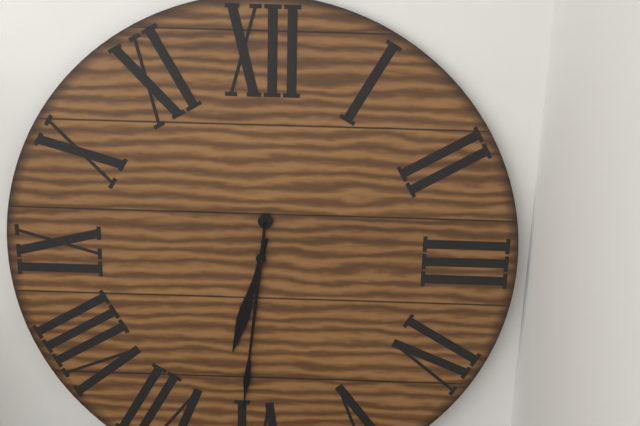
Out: 6h31
